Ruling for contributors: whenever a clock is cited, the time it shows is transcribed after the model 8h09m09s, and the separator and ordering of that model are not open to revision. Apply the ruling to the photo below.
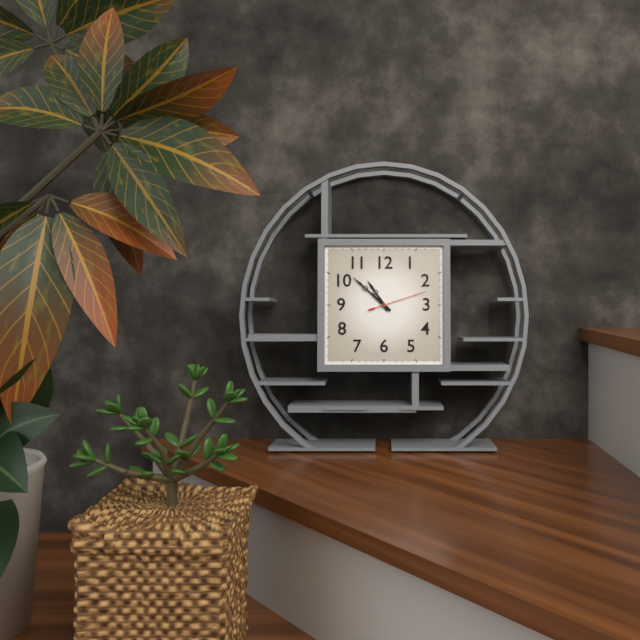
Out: 10h52m12s
